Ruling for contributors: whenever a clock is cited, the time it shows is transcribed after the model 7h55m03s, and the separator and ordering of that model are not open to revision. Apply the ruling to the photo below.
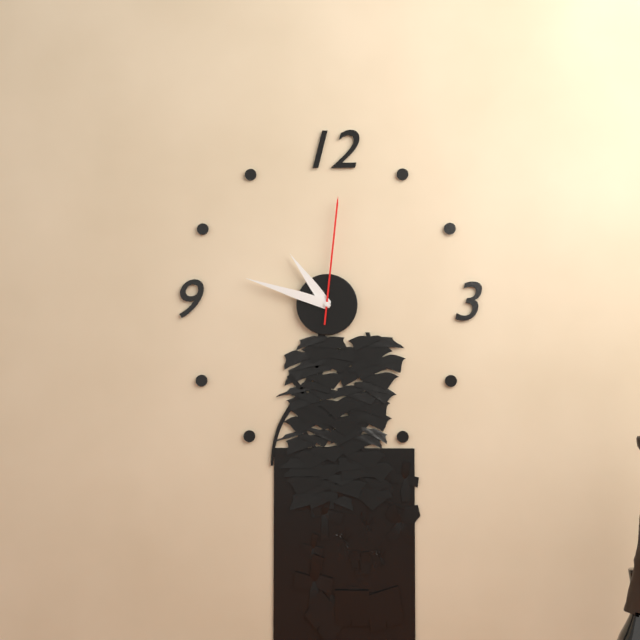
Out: 10h48m01s
